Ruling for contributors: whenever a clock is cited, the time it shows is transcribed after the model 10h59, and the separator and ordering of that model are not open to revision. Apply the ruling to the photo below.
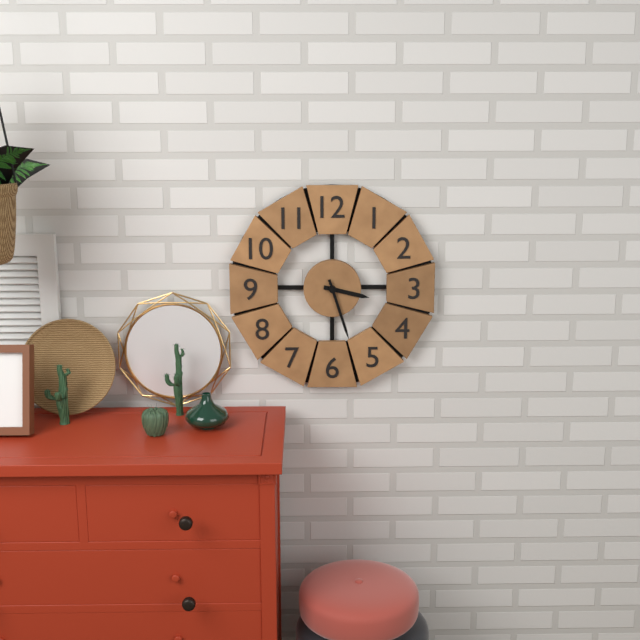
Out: 3h27
